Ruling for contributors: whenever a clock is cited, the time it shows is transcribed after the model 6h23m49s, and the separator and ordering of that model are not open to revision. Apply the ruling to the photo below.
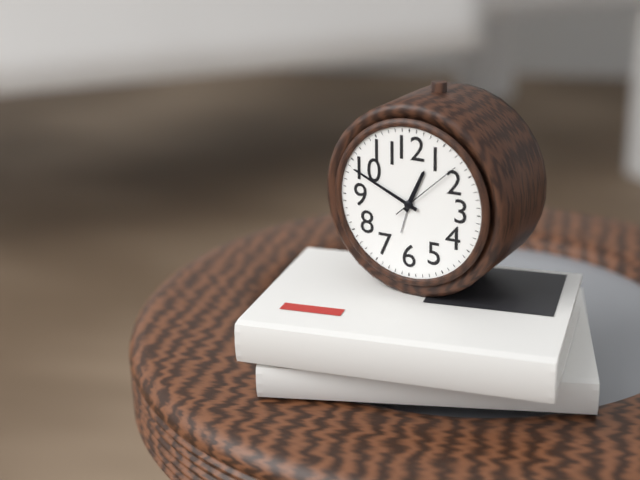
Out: 12h49m08s
